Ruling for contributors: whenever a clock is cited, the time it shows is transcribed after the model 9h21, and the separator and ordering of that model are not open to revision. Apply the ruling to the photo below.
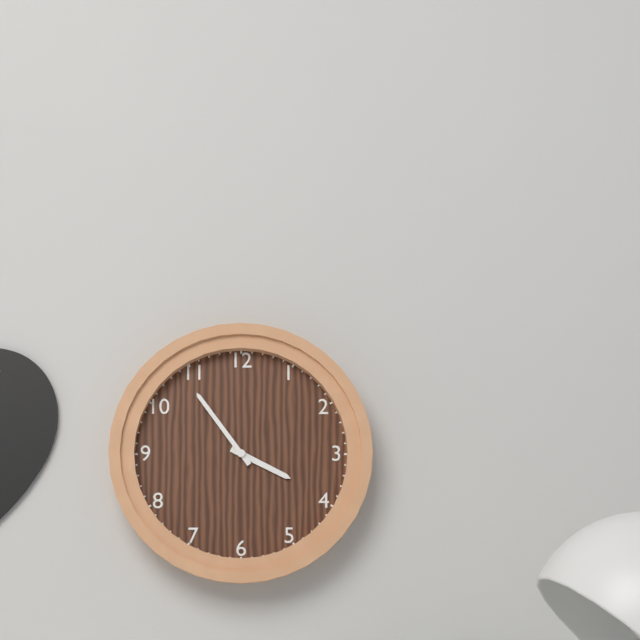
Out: 3h54
